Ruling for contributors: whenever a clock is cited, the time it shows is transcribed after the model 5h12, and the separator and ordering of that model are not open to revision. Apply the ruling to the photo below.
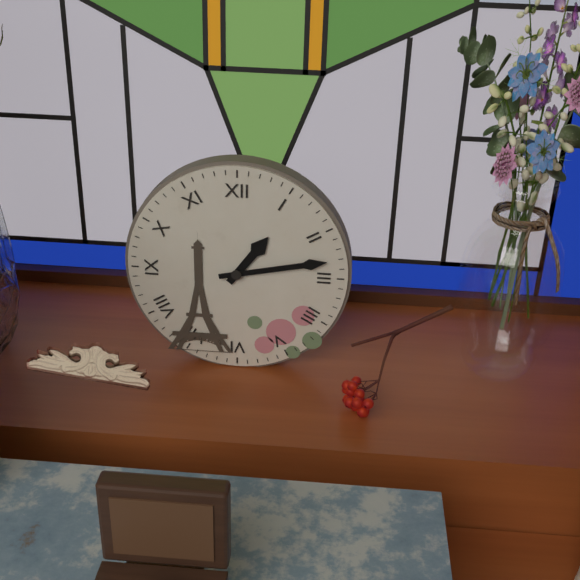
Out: 1h13
